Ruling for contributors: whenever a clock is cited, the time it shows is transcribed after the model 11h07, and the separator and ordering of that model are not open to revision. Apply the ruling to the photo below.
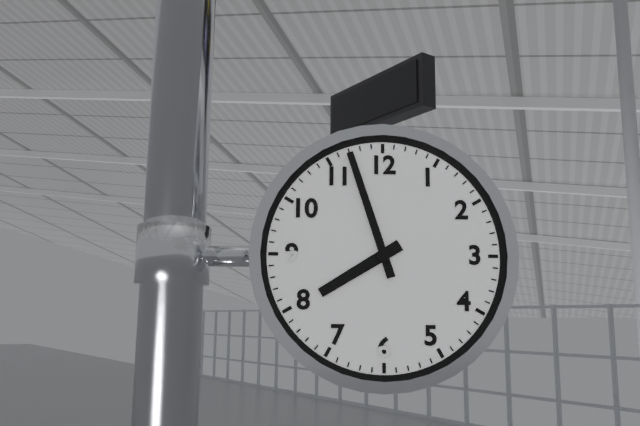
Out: 7h57
